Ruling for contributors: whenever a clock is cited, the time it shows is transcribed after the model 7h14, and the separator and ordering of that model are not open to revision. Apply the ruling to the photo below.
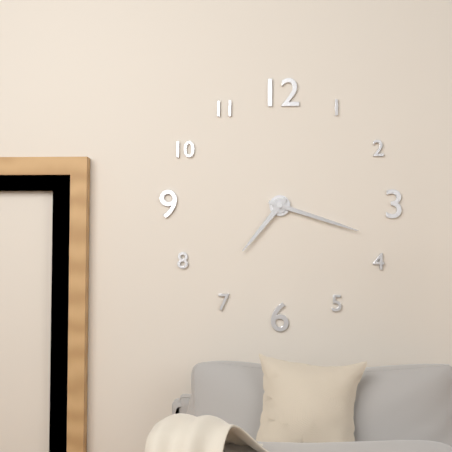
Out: 7h18
